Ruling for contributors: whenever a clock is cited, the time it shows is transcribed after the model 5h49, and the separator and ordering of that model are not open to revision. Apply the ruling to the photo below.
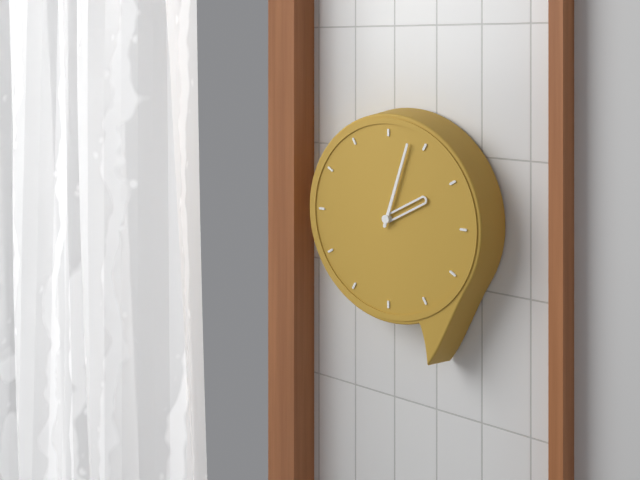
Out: 2h03
